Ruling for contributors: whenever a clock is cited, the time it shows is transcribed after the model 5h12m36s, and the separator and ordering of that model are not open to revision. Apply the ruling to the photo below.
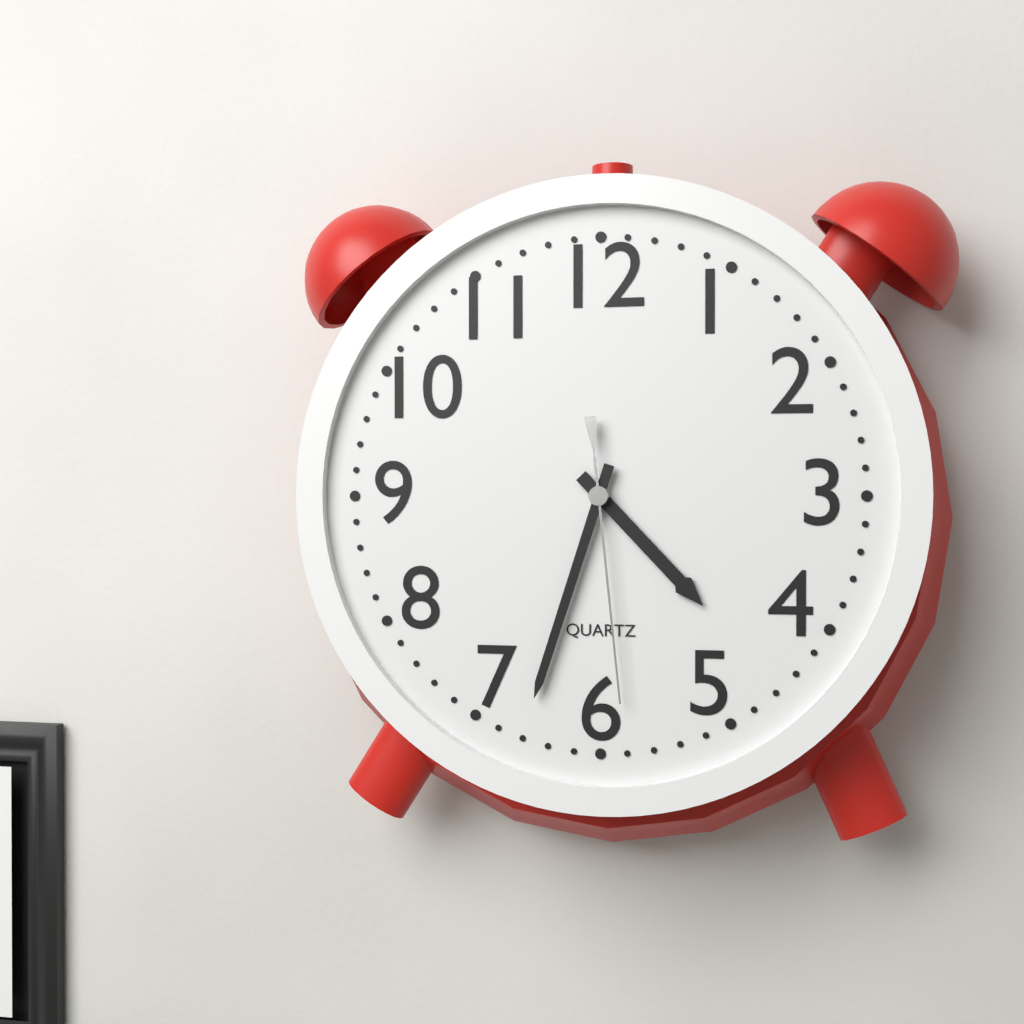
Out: 4h33m29s
